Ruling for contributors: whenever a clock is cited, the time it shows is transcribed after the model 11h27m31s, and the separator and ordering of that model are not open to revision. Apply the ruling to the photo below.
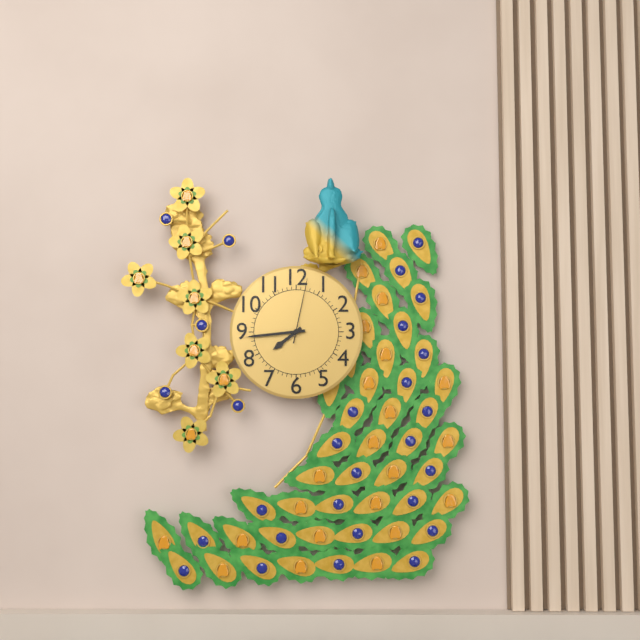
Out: 7h44m02s
